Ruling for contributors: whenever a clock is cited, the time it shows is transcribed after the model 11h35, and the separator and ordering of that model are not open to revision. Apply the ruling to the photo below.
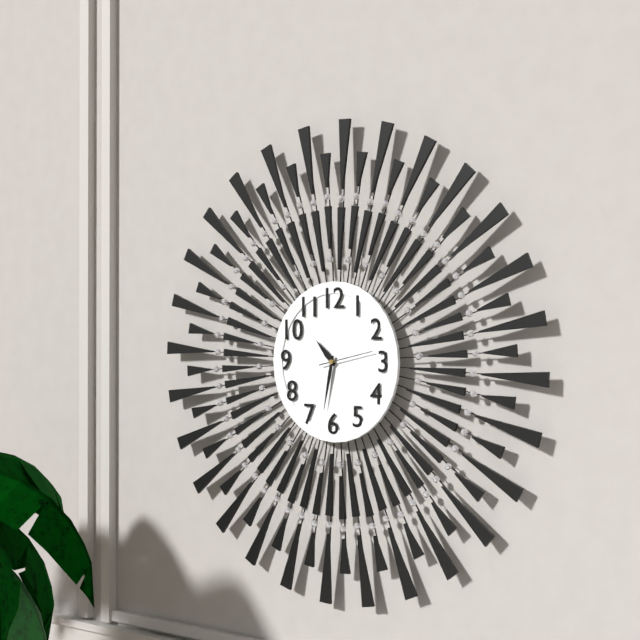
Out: 10h32
